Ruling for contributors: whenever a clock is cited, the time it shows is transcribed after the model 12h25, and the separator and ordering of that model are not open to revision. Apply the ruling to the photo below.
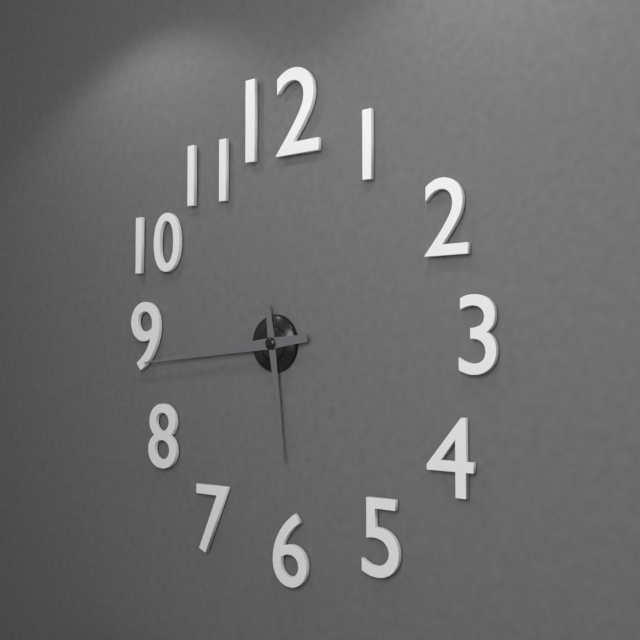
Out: 5h44
